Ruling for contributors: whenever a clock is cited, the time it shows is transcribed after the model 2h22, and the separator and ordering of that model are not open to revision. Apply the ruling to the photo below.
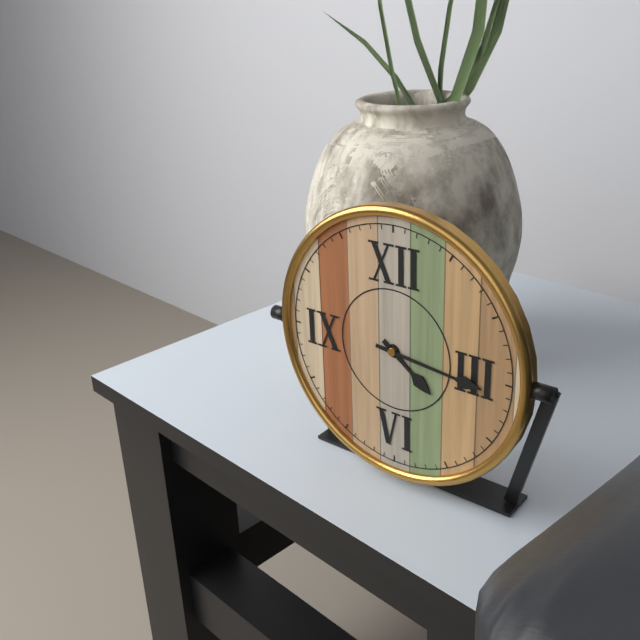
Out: 4h16
